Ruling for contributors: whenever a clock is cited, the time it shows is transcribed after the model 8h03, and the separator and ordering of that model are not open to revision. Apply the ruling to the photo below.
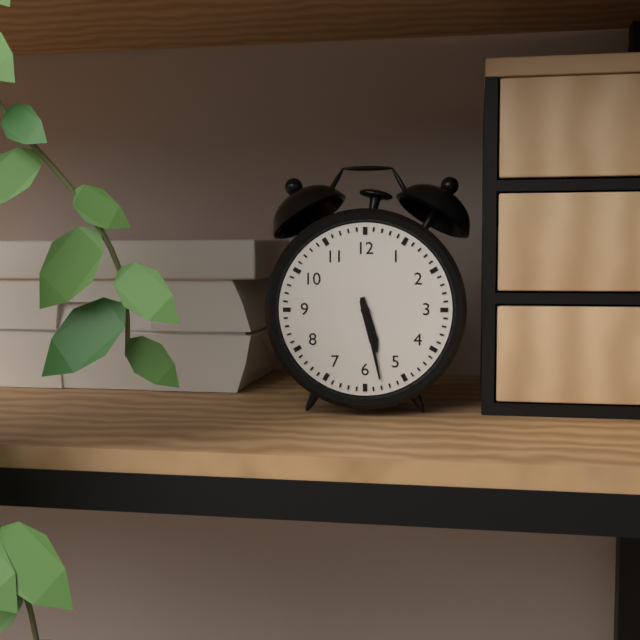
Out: 5h28
